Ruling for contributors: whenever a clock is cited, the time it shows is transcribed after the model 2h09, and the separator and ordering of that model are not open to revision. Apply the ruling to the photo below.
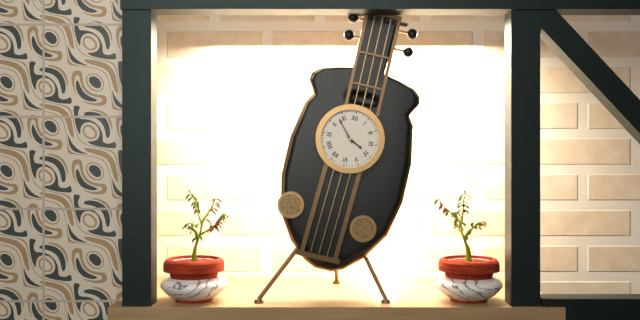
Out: 3h53
